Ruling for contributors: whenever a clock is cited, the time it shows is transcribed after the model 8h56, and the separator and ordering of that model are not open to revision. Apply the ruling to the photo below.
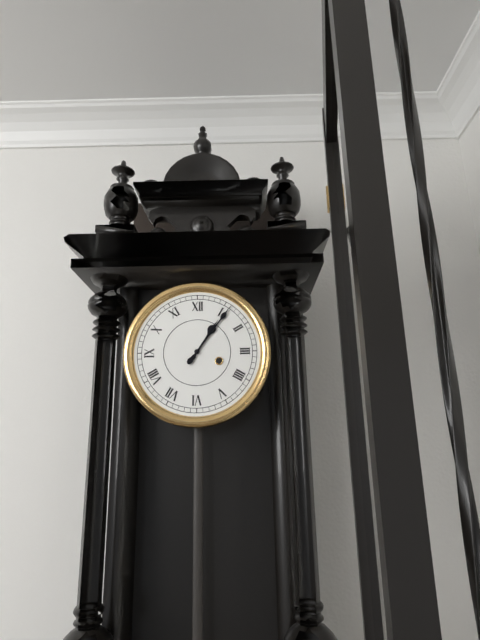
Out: 1h06
